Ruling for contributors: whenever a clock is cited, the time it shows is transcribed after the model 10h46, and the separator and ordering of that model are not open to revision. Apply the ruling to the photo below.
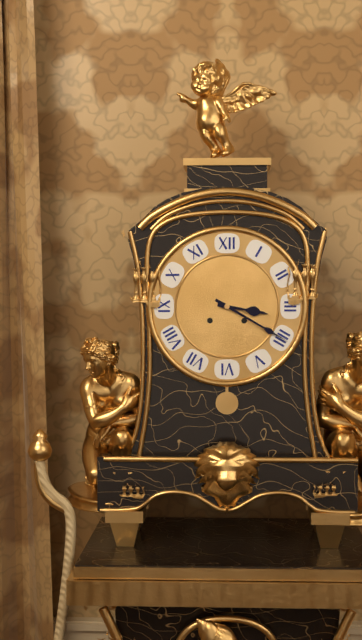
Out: 3h20
